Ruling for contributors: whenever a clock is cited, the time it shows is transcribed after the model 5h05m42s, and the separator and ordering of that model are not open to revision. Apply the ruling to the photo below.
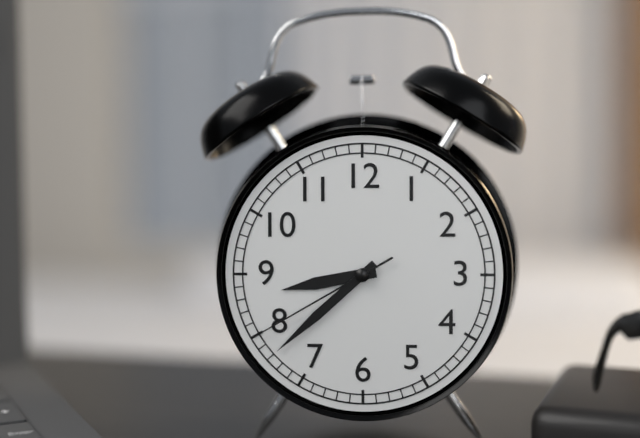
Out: 8h38m40s
